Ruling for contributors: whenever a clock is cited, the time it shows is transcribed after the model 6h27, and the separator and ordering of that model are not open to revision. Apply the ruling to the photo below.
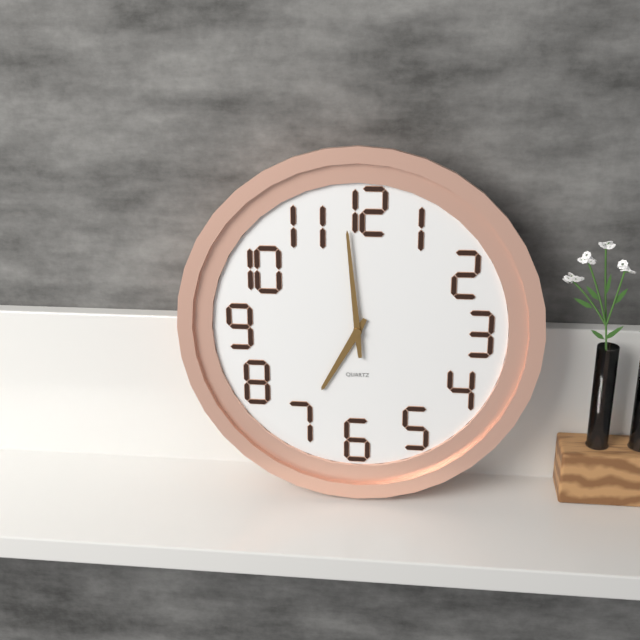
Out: 6h59
